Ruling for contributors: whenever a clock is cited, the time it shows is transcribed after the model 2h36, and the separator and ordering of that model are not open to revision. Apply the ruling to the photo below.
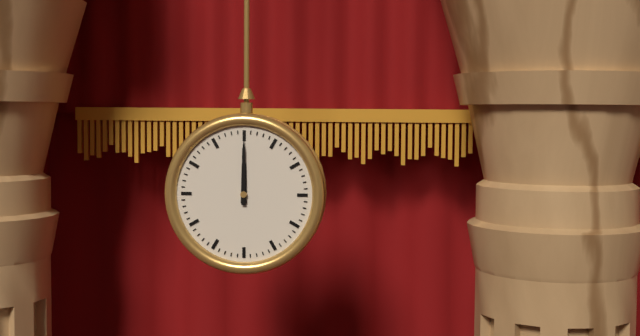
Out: 12h00
